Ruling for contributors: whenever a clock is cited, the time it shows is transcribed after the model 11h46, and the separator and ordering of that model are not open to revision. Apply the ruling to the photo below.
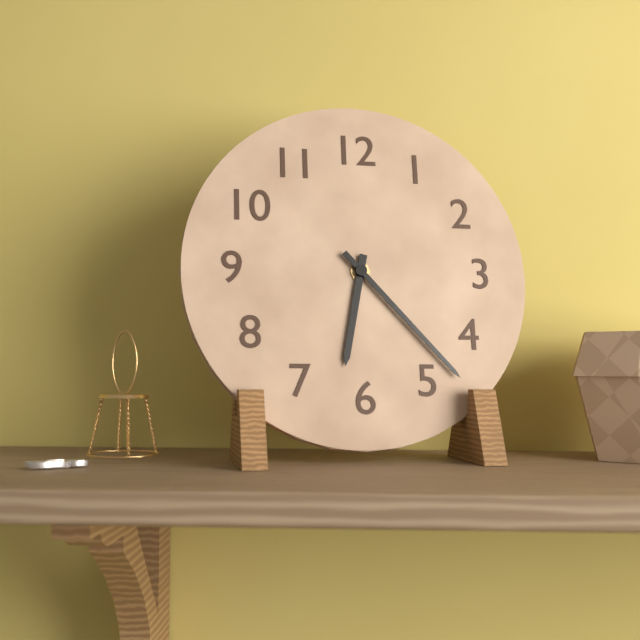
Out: 6h23
